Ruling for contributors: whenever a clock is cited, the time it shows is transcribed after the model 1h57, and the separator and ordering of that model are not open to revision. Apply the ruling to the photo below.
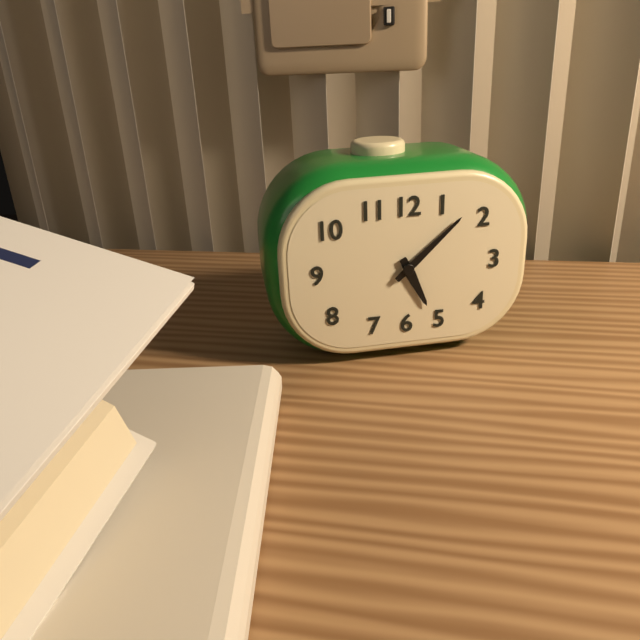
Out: 5h08
